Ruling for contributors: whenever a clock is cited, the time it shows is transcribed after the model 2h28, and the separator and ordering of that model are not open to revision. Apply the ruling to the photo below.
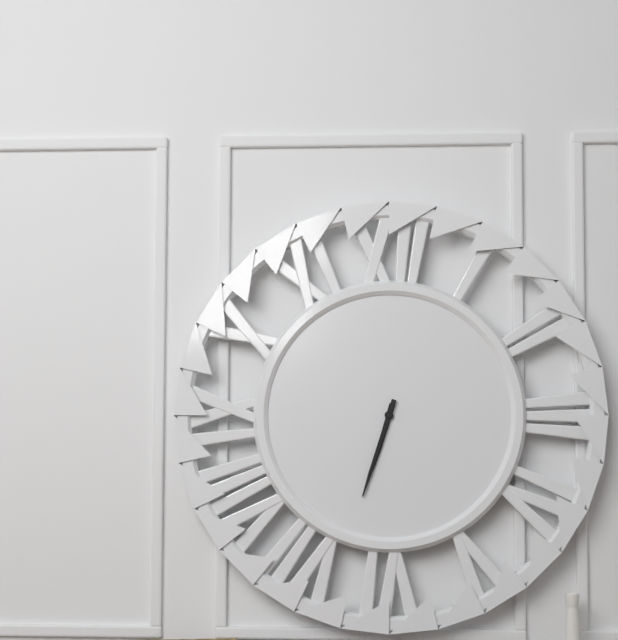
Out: 6h33
